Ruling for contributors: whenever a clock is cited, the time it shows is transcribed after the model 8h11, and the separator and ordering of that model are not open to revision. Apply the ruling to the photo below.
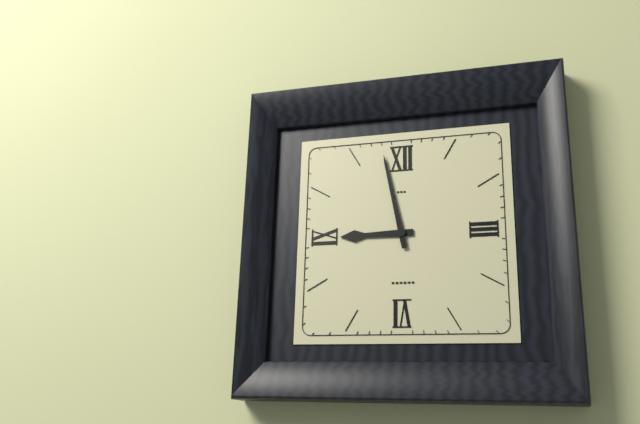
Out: 8h58
